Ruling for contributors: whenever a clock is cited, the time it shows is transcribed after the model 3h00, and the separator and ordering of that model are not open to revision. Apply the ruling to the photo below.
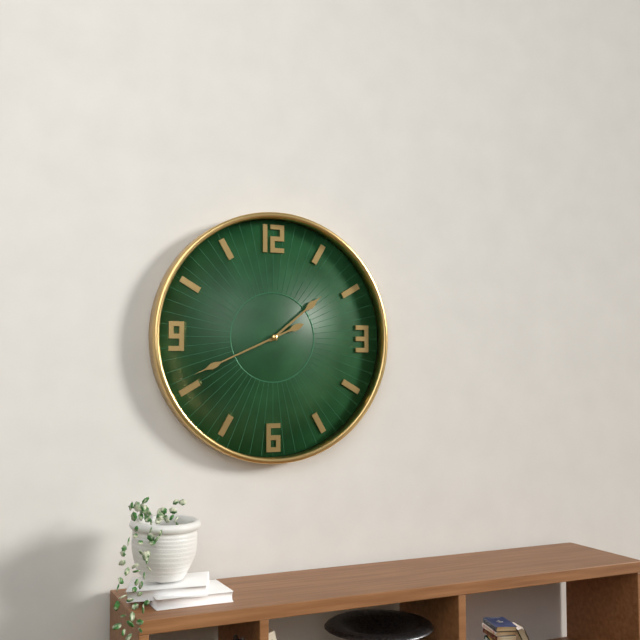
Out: 1h41
